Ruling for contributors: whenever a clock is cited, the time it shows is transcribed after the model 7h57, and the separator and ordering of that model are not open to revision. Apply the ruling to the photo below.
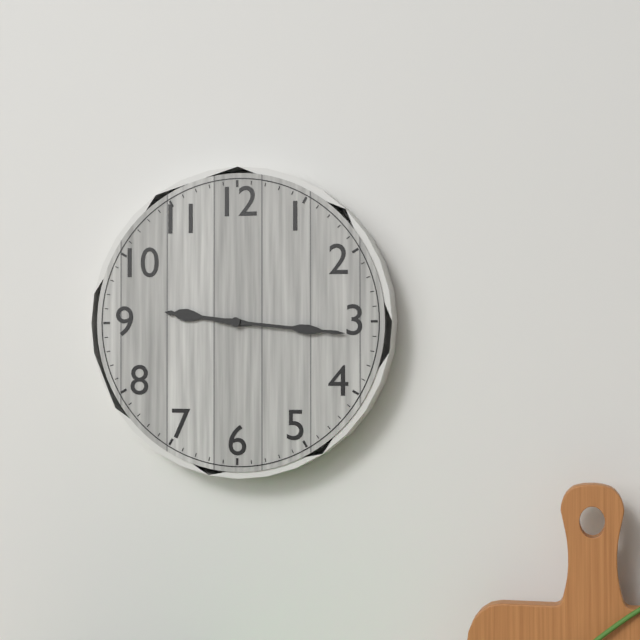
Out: 9h16
